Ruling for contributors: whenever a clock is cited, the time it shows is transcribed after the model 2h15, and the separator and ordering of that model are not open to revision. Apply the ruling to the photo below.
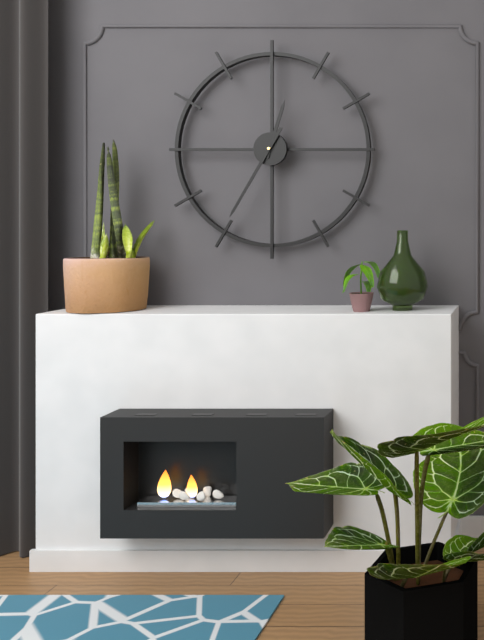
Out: 12h35
